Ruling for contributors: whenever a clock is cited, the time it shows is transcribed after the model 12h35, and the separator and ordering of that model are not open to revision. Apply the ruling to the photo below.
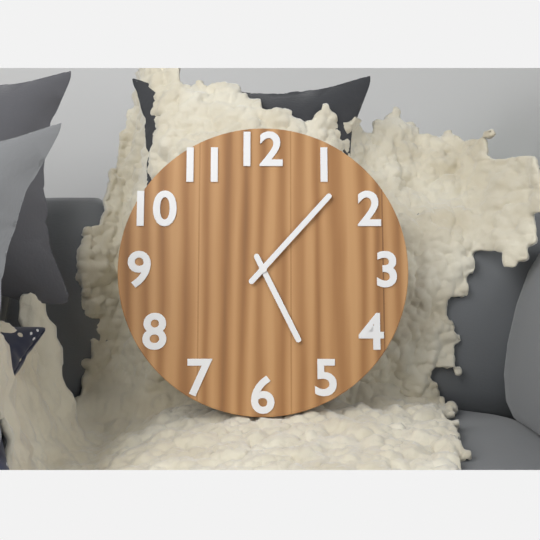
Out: 5h07
